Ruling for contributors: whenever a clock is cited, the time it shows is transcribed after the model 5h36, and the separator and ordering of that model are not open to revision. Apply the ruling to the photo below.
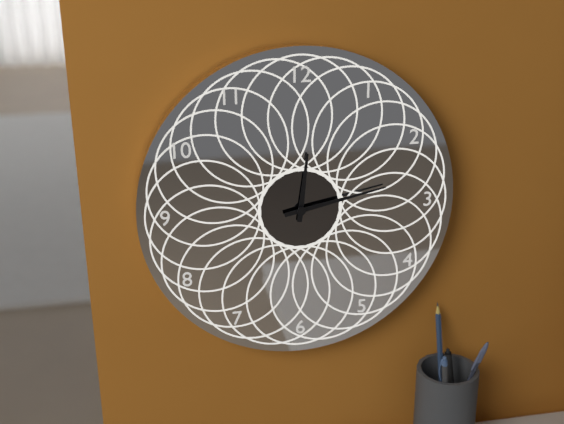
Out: 12h13
